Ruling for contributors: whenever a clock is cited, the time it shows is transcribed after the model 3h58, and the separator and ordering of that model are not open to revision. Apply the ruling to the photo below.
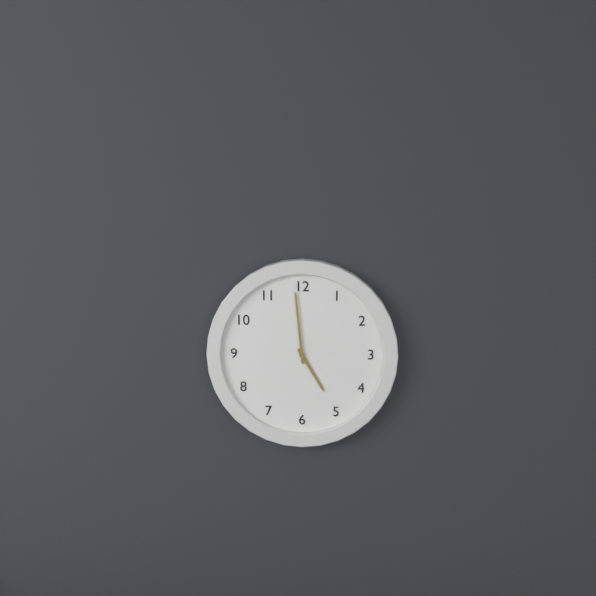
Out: 4h59
